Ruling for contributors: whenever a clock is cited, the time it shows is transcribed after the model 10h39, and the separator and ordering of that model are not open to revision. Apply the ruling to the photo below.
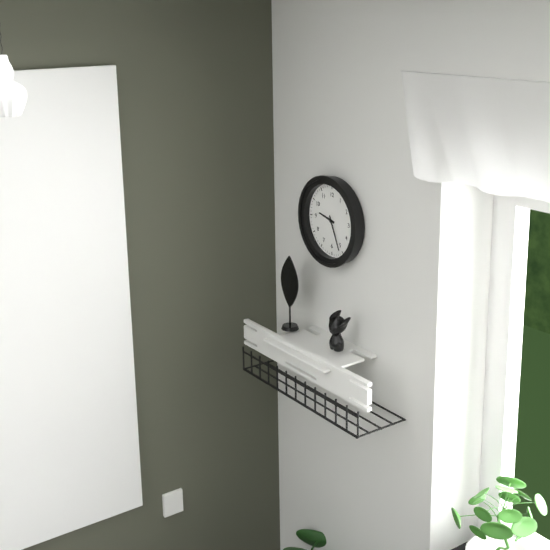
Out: 9h26
